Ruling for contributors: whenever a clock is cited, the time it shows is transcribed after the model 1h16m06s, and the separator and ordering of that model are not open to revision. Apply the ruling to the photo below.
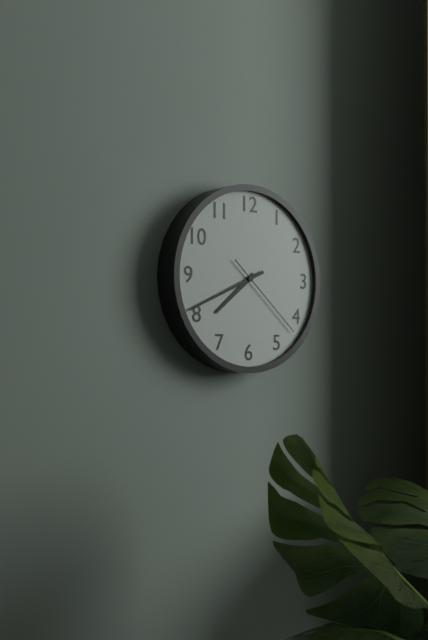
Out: 7h41m22s
